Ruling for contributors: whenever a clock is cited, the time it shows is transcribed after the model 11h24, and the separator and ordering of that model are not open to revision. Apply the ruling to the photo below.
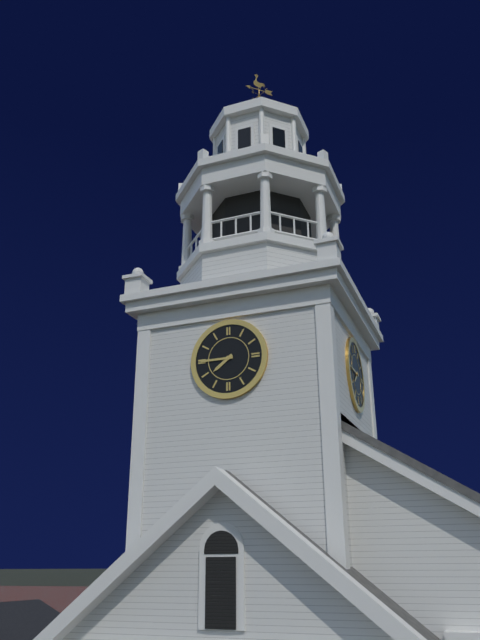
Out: 7h45
